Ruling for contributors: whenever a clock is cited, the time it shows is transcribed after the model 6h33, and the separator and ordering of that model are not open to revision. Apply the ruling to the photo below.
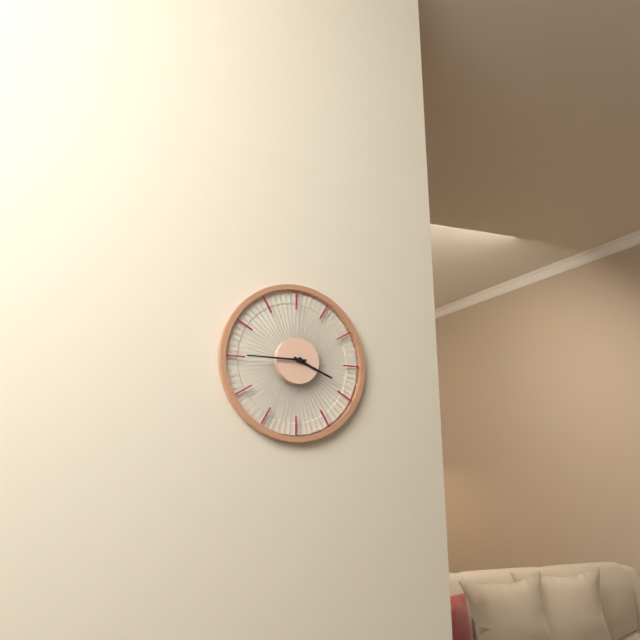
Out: 3h45
